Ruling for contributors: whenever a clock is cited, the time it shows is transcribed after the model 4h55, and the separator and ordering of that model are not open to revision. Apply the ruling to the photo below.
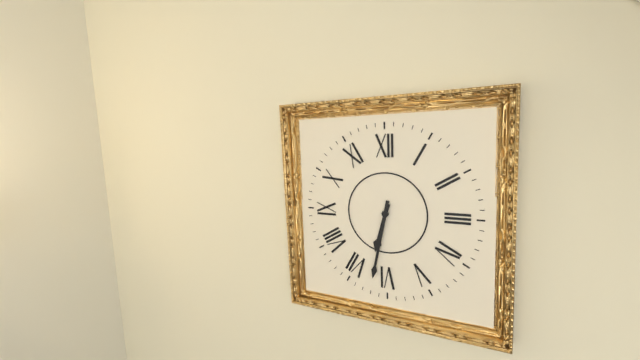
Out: 6h32
